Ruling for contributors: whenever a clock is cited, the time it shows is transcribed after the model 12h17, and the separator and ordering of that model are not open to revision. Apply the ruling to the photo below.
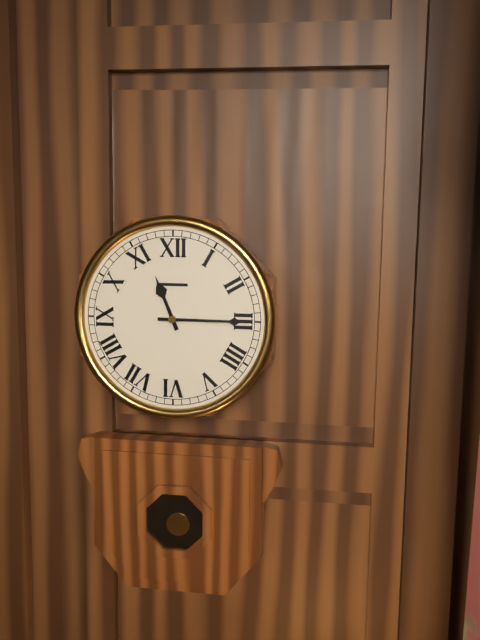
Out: 11h15
